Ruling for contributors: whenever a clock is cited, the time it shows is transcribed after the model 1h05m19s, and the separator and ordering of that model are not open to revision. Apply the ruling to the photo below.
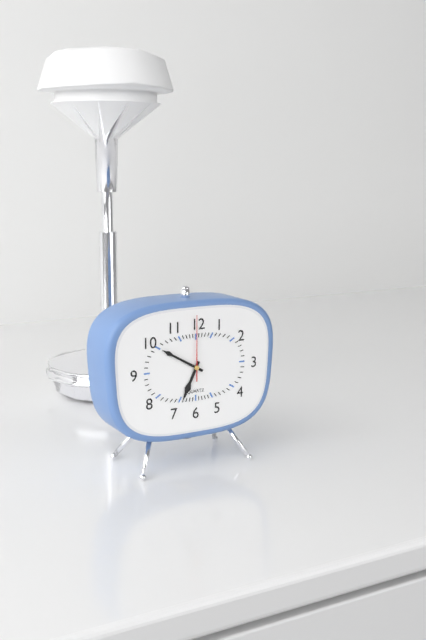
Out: 6h50m00s
